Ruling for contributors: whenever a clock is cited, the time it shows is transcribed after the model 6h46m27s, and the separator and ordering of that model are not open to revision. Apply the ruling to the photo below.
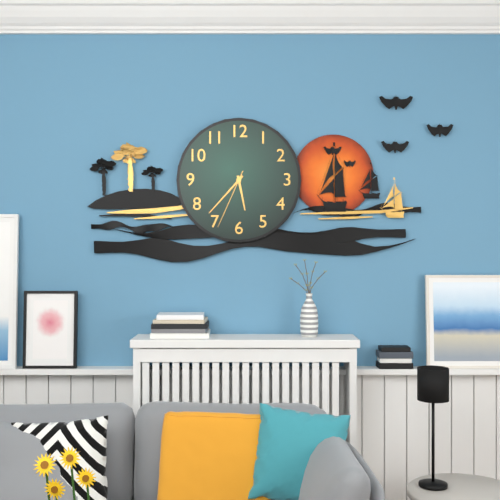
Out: 5h37m34s
